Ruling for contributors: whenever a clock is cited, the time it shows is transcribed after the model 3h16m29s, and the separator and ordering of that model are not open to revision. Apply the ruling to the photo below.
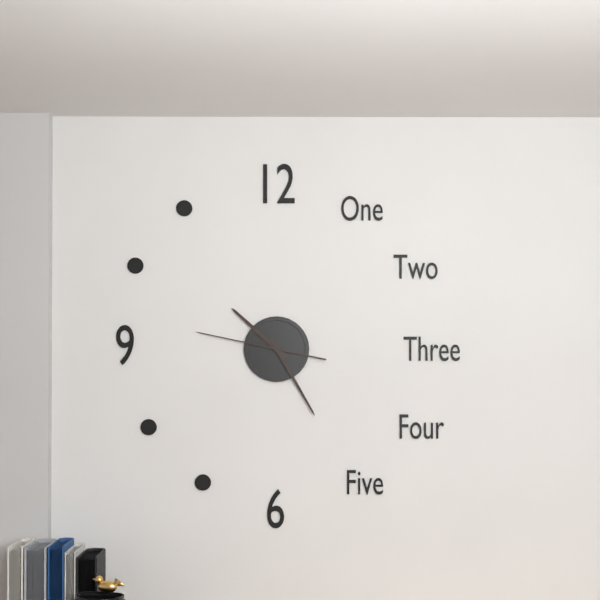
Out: 10h25m47s
